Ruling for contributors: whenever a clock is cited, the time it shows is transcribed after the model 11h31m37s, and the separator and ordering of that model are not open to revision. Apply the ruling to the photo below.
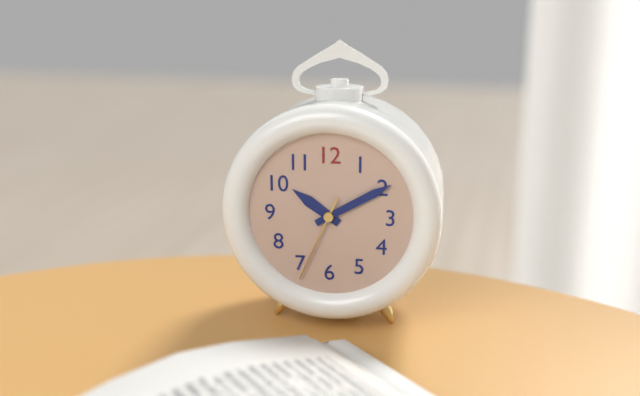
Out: 10h10m34s
